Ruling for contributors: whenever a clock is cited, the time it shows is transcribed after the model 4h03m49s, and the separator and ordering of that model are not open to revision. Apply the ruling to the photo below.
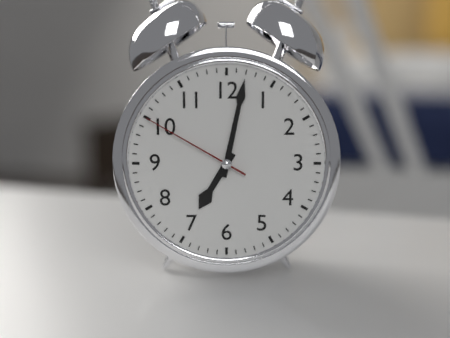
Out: 7h02m50s
